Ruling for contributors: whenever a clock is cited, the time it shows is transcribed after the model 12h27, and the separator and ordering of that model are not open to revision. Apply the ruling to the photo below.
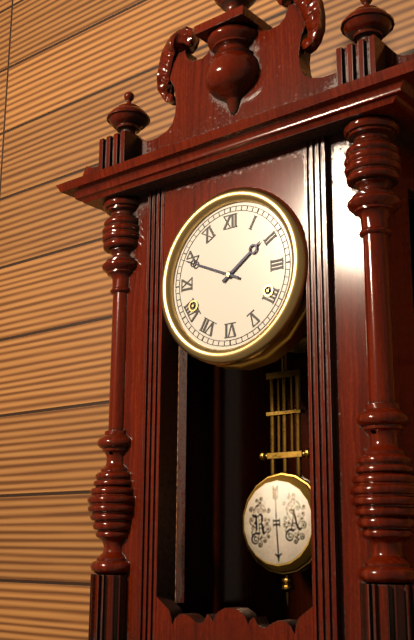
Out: 1h49
